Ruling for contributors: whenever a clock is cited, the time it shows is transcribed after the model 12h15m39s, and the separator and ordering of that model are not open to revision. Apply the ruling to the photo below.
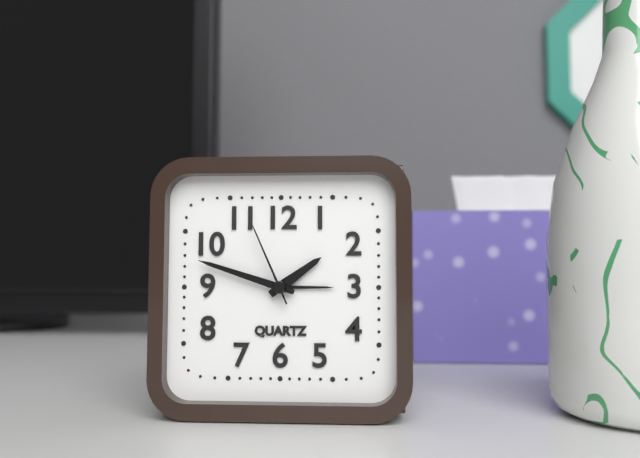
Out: 1h48m56s
